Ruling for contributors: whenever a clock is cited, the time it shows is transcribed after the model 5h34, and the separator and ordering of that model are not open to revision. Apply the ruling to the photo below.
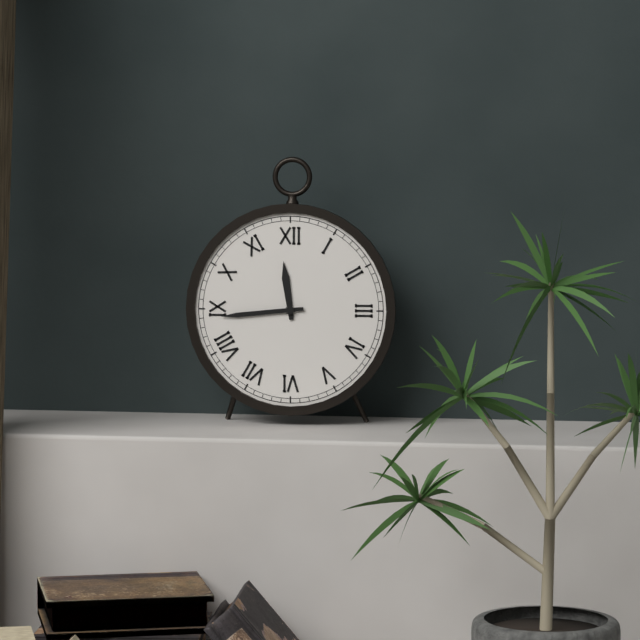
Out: 11h44
